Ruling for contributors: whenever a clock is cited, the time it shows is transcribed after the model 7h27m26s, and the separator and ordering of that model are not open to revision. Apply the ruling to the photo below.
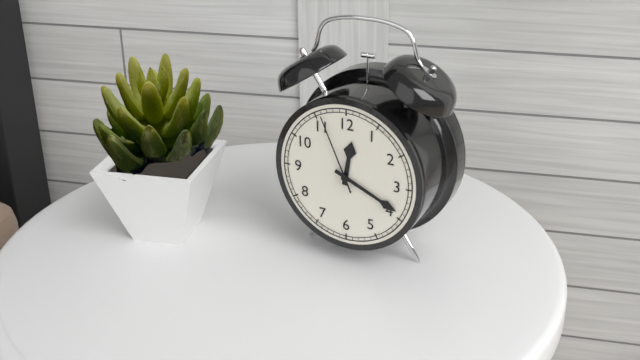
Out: 12h19m56s
